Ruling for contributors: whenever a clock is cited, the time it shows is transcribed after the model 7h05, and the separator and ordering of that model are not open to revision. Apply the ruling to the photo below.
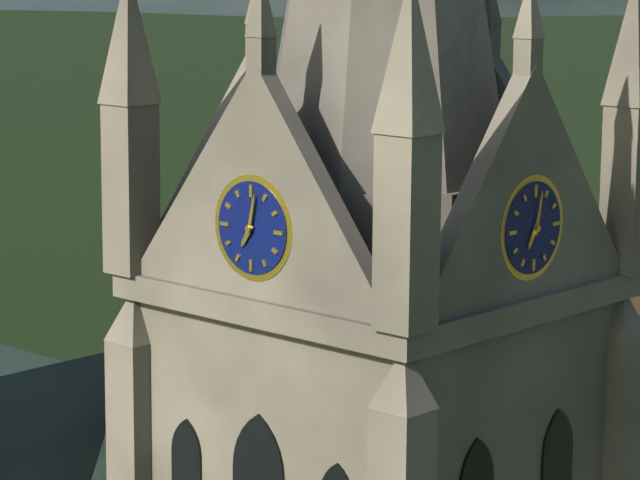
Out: 7h02
